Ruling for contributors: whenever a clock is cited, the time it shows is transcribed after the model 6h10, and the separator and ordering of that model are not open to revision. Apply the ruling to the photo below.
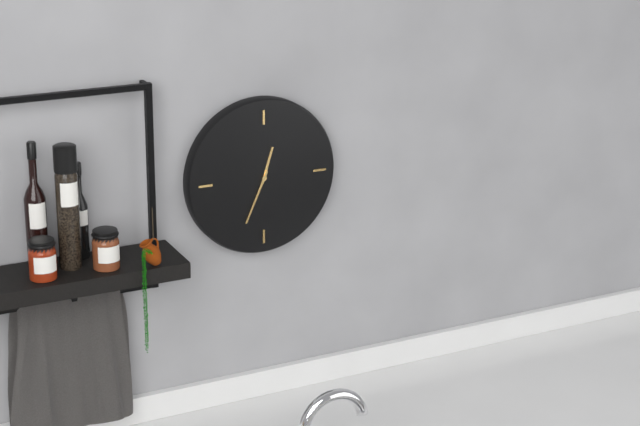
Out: 12h34
